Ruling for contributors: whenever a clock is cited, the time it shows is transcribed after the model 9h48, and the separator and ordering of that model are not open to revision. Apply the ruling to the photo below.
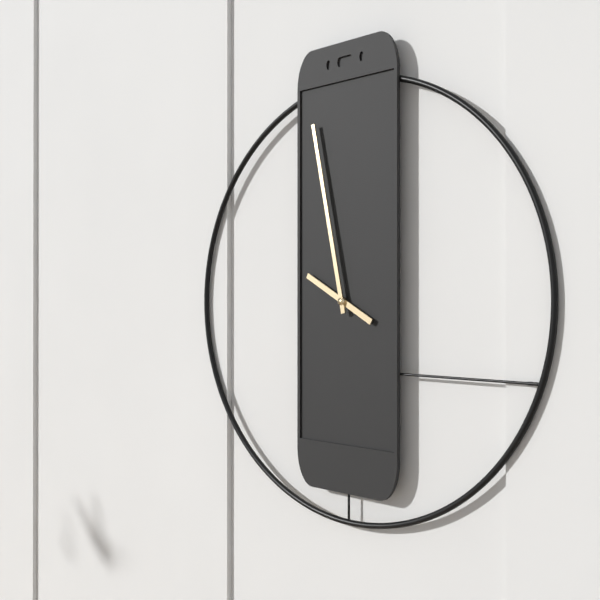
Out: 9h58
